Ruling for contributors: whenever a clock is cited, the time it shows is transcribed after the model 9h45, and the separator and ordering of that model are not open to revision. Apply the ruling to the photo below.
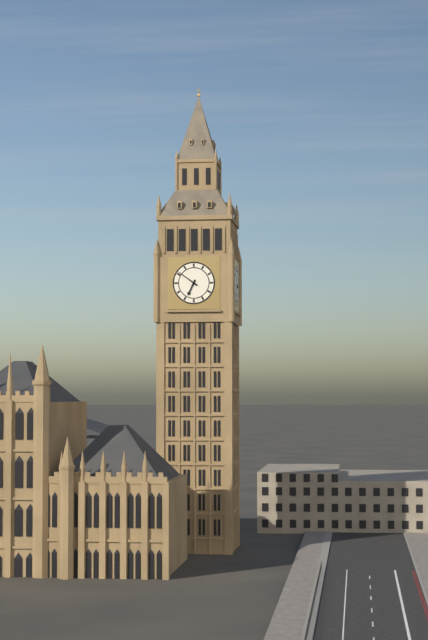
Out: 6h51
